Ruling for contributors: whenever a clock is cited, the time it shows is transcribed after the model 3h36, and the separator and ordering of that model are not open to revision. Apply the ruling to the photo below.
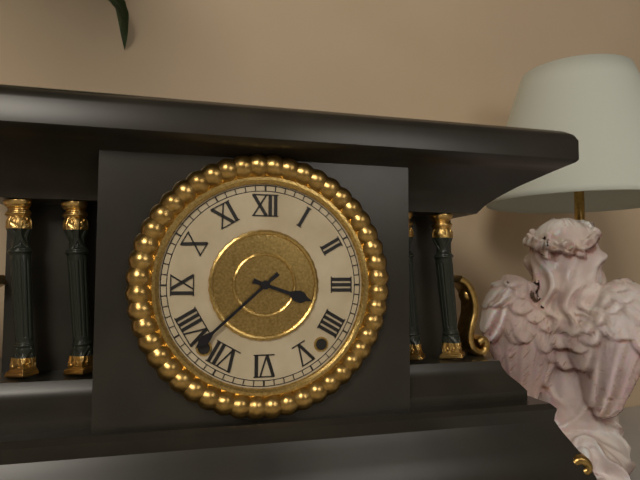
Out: 3h38
